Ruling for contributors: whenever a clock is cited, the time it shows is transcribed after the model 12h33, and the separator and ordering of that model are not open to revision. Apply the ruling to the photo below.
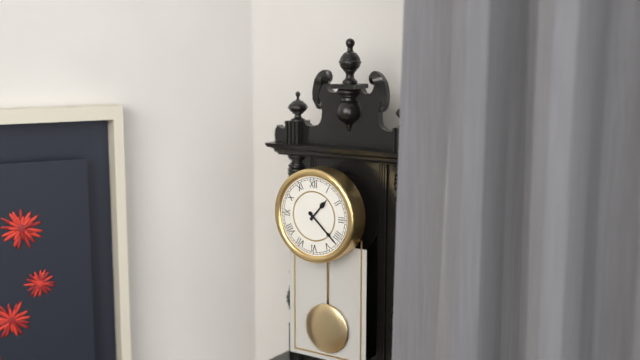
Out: 1h22
